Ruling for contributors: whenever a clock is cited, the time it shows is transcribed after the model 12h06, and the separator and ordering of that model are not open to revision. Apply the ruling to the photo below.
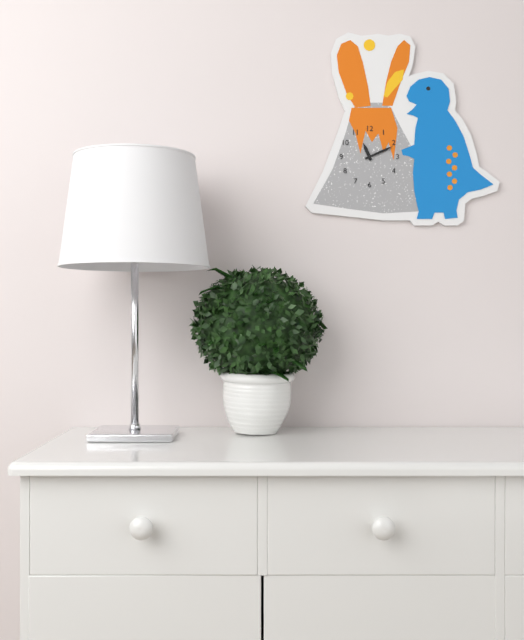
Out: 11h11
